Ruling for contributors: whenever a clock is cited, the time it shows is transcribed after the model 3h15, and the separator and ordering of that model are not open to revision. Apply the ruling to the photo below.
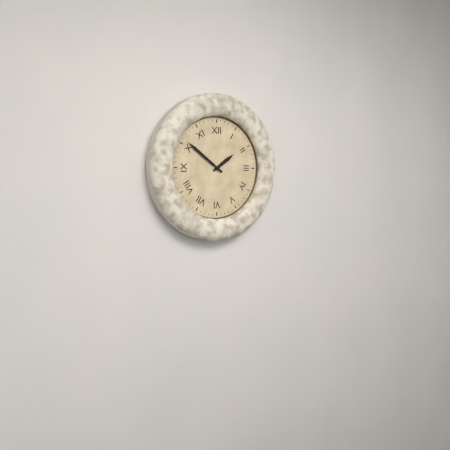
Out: 1h51
